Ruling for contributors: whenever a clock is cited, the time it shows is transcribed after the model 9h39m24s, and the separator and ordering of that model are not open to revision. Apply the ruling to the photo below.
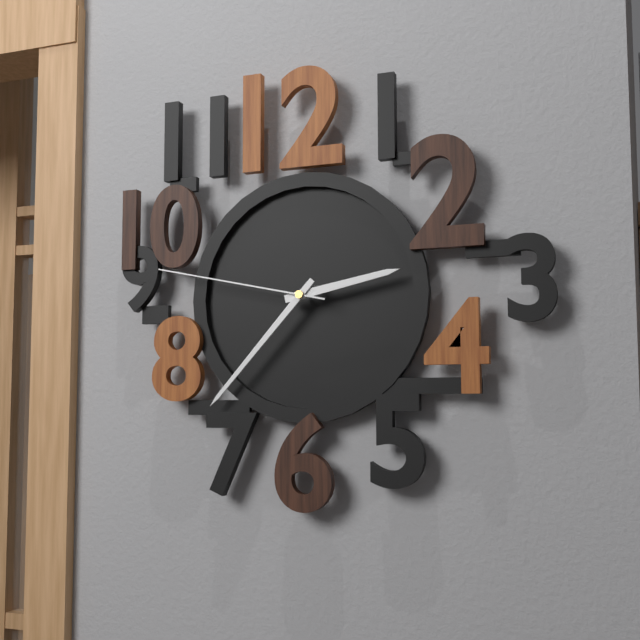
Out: 2h37m47s
